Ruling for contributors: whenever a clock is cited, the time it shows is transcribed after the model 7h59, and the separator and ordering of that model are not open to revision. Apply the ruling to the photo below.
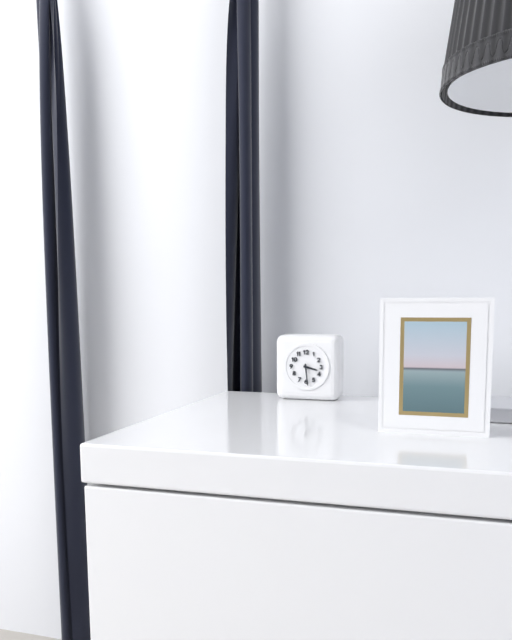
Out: 3h29
